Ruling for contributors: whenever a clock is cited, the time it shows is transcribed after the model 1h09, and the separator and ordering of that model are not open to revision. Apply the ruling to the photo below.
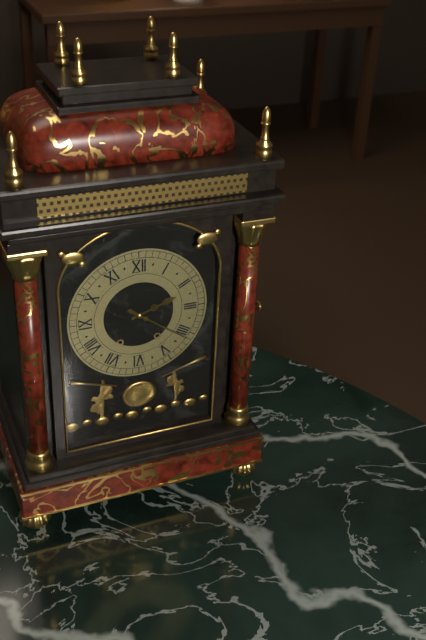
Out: 2h21
